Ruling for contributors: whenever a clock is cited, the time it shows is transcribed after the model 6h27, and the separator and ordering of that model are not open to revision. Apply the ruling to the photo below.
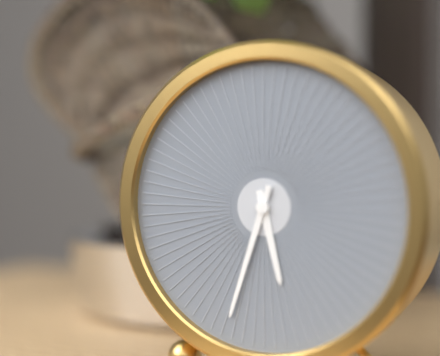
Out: 5h33
